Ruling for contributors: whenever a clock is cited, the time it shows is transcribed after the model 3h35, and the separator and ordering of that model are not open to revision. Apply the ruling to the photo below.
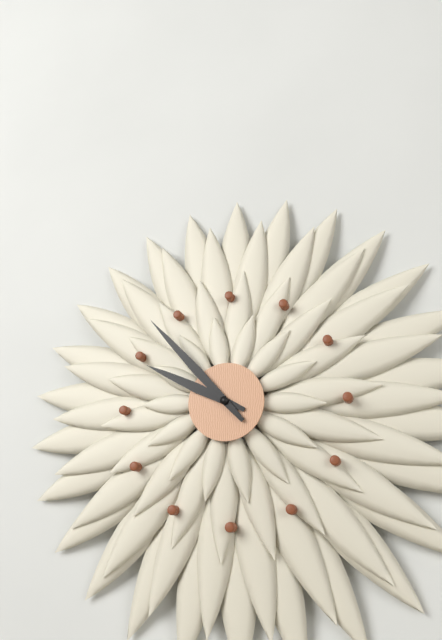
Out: 9h53
